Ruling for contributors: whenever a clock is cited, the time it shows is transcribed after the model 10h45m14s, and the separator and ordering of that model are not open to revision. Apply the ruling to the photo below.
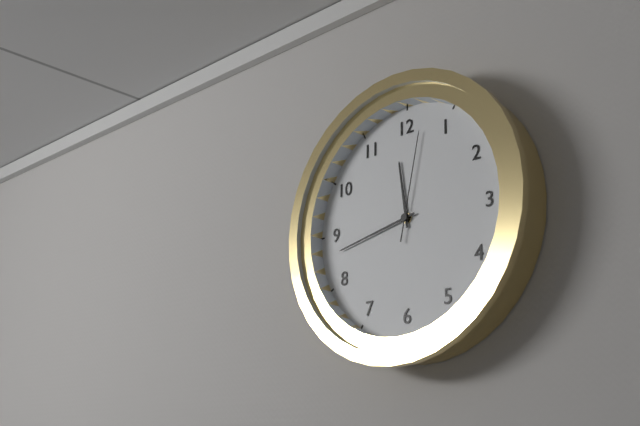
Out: 11h43m02s
